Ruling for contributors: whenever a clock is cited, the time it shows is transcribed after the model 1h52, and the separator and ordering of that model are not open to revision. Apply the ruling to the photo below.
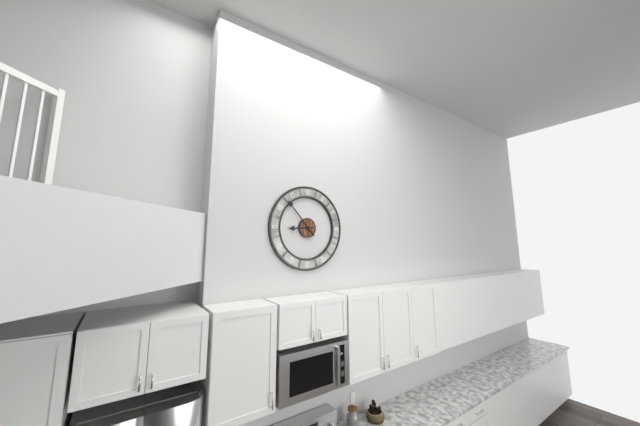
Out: 8h53
